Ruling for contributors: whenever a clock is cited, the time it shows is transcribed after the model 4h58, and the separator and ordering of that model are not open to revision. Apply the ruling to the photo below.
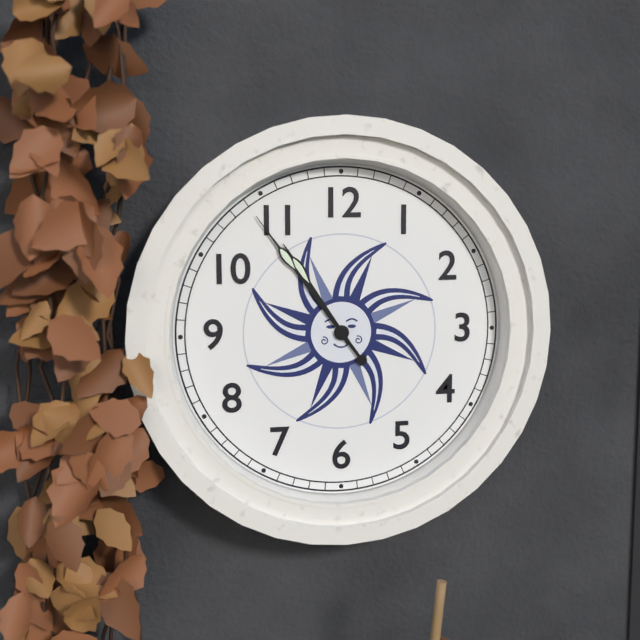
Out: 10h54
